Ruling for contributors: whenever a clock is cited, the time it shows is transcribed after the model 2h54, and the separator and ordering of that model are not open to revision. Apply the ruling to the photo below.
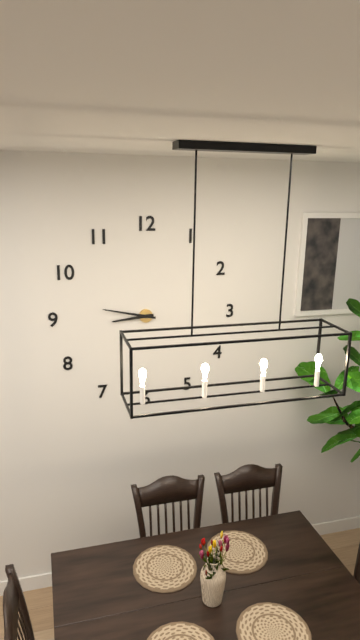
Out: 8h47
